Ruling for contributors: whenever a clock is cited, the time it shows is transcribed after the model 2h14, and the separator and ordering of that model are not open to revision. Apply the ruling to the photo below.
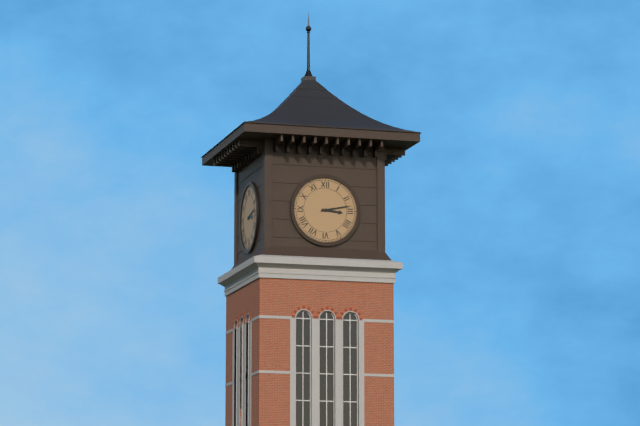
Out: 3h13
